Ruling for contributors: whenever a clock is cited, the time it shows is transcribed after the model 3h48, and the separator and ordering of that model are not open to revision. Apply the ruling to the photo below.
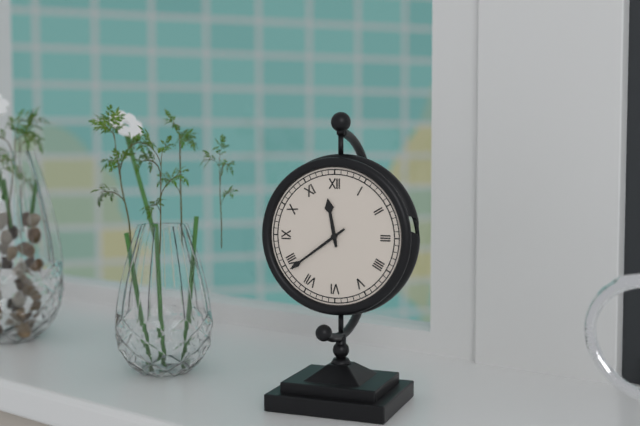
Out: 11h39
